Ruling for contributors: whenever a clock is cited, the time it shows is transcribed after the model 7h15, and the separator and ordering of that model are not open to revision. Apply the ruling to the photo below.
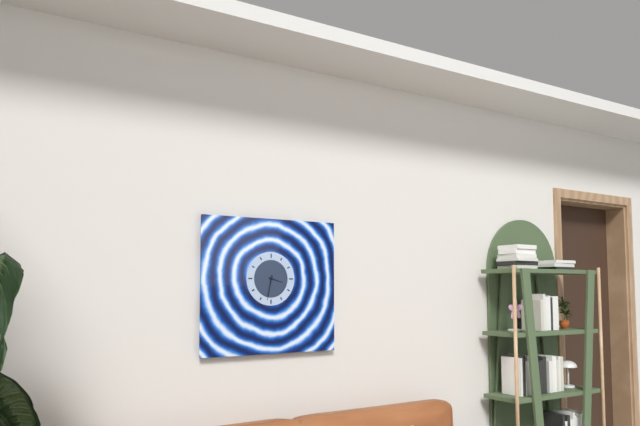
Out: 3h32
